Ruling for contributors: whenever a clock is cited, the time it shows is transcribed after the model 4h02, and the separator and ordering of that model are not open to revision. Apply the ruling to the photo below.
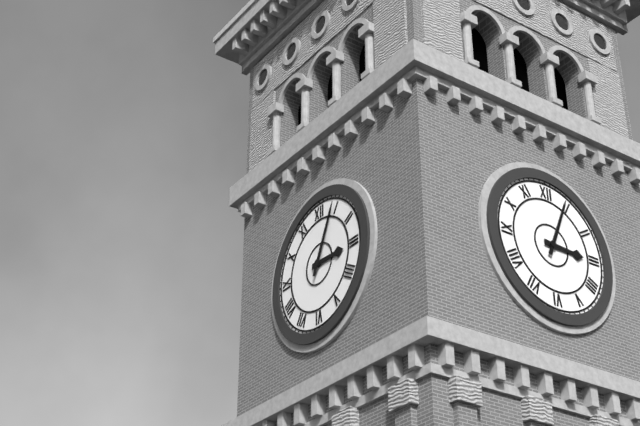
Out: 3h04
